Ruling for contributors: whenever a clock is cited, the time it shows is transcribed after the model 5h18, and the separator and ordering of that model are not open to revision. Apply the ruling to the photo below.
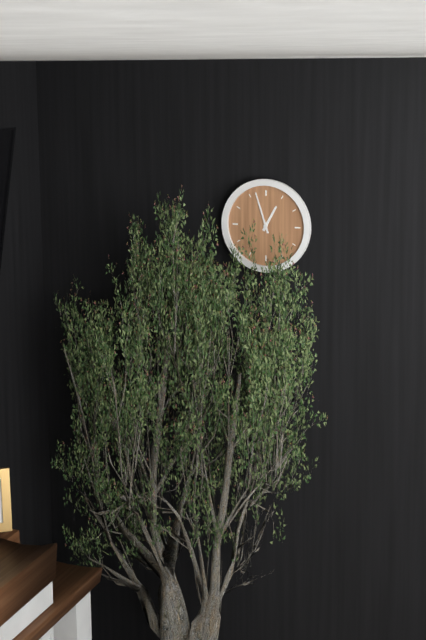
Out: 12h57
